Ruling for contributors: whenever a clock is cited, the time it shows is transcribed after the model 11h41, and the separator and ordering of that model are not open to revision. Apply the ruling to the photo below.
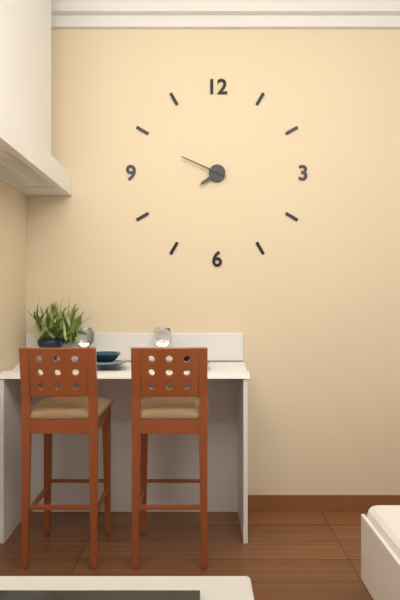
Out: 7h49
